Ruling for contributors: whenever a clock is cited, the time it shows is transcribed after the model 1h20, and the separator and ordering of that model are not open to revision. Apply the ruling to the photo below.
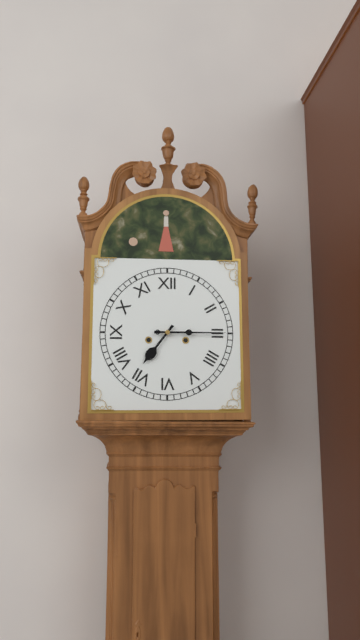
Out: 7h15
